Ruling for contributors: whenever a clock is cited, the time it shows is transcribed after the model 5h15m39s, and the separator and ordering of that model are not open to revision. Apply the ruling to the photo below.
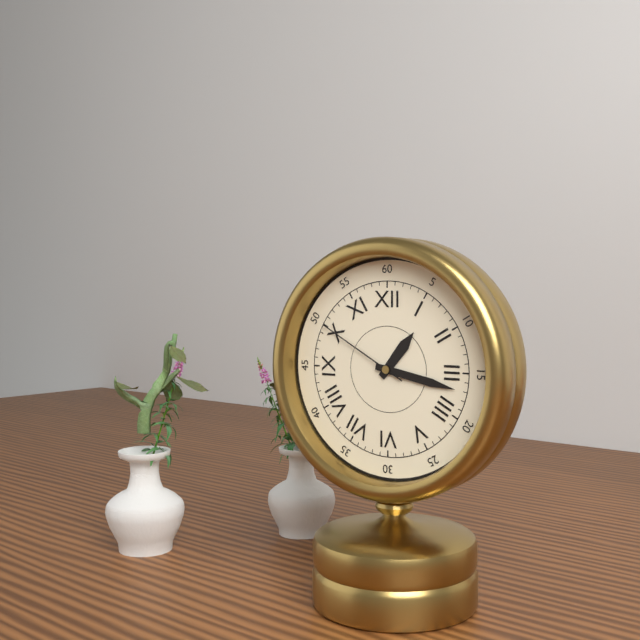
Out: 1h17m50s
